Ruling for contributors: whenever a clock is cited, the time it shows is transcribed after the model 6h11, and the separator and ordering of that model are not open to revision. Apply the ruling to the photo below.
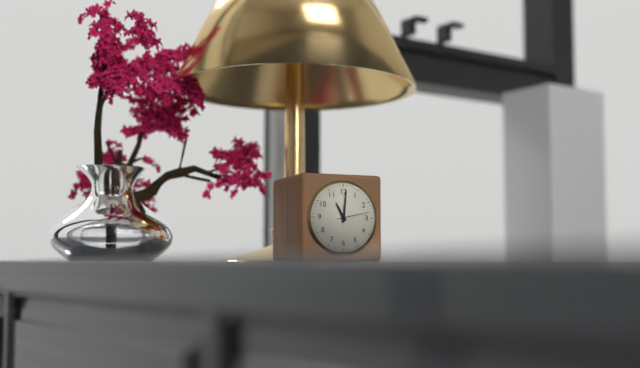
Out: 11h01
